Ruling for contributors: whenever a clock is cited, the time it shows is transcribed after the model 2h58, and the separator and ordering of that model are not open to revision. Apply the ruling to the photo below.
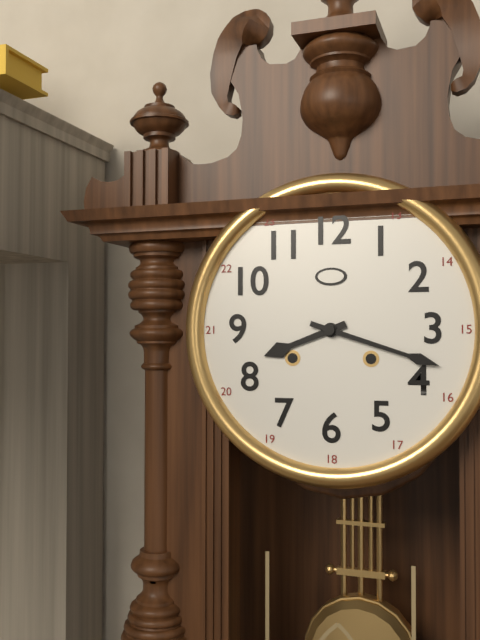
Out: 8h18
